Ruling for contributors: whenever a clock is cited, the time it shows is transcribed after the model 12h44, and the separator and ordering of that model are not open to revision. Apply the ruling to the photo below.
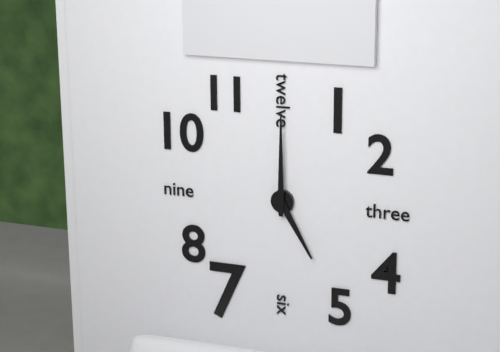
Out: 5h00
